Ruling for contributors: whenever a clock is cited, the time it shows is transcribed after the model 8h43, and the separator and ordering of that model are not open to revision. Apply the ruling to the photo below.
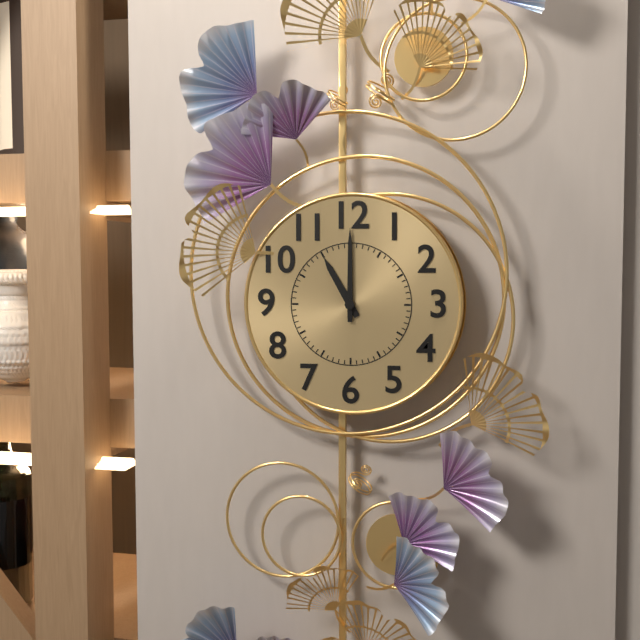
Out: 11h00
